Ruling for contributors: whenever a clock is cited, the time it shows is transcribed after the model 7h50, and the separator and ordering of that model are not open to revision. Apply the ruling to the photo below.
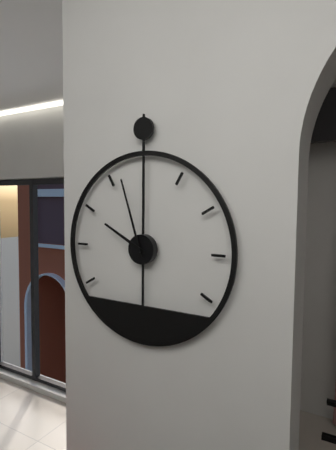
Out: 9h57
